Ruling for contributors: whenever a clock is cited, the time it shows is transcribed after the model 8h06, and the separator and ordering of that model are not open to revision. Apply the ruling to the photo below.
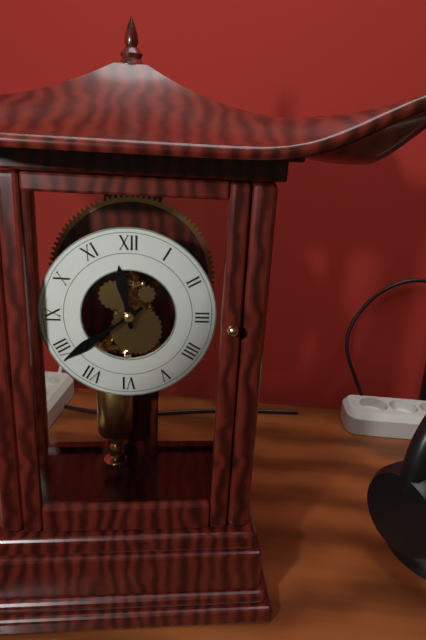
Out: 11h39
